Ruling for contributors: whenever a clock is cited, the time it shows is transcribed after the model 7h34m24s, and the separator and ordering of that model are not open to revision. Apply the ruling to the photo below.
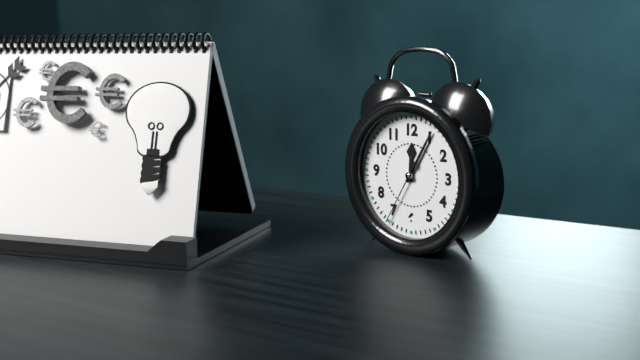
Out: 12h05m35s
